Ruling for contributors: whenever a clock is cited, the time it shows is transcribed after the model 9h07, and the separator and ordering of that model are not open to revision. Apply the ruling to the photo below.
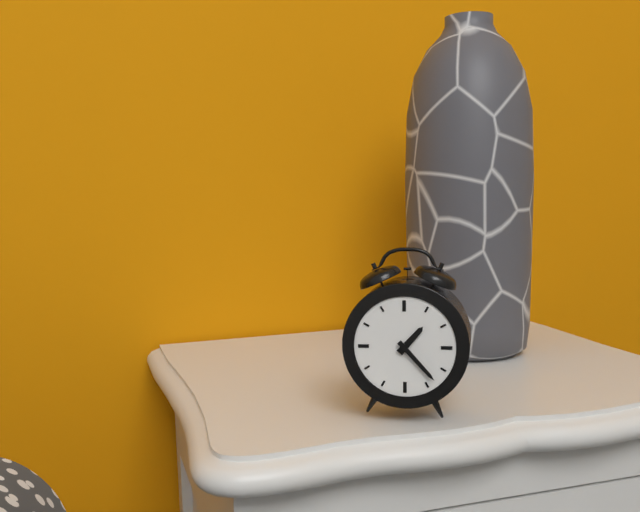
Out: 1h23
